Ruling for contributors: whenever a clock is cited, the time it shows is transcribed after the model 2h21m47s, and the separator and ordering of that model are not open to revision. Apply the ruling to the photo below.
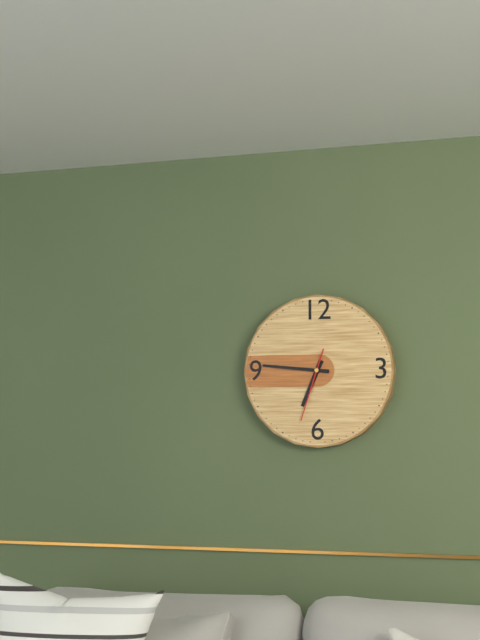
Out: 6h46m33s
